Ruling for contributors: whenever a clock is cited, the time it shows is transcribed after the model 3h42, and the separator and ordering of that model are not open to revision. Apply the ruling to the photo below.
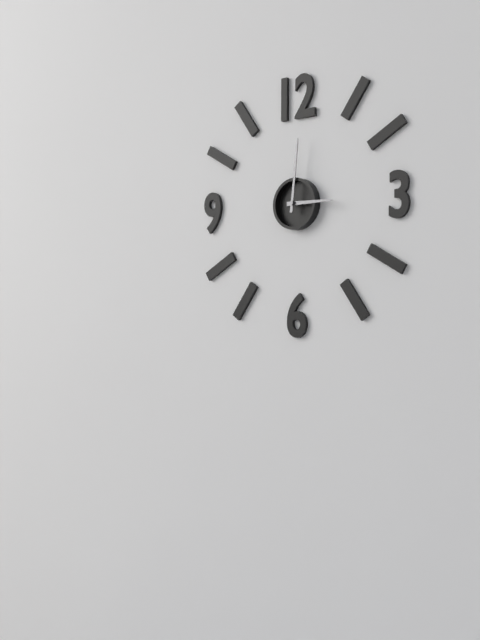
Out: 3h01
